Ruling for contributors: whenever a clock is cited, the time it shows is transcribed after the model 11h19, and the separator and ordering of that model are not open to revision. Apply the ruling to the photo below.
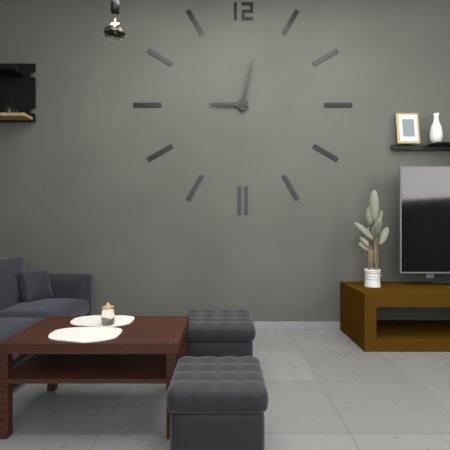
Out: 9h02
